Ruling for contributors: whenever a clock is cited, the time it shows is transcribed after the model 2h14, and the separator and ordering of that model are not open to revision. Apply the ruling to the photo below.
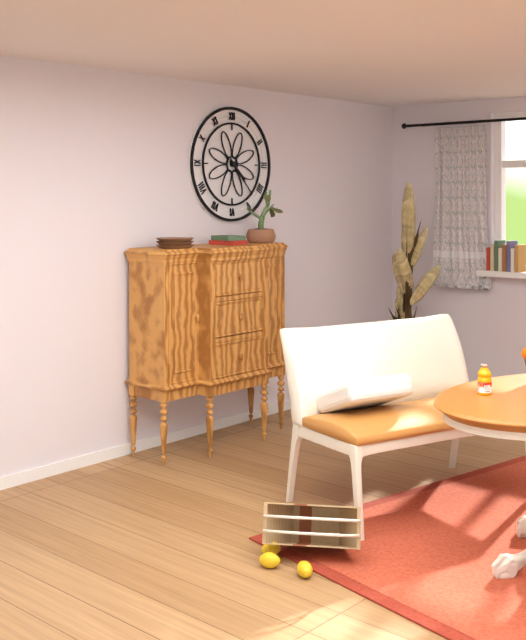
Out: 4h23
